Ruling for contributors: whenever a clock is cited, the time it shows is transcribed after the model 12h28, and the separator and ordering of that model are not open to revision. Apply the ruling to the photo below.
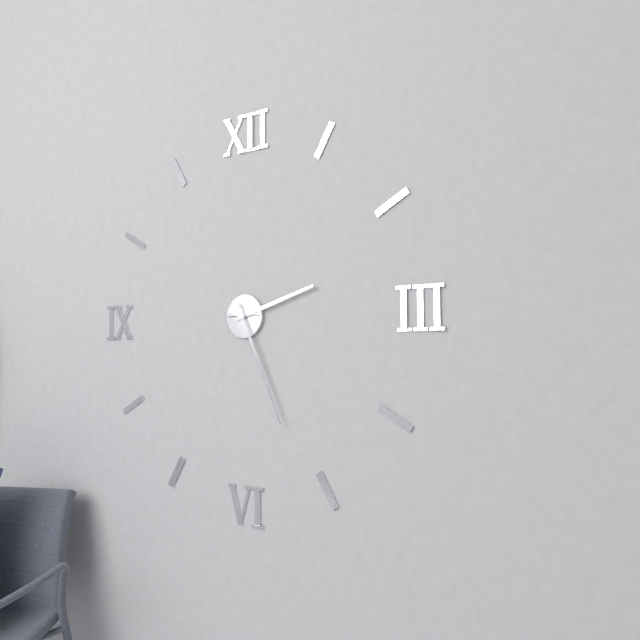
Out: 2h26
